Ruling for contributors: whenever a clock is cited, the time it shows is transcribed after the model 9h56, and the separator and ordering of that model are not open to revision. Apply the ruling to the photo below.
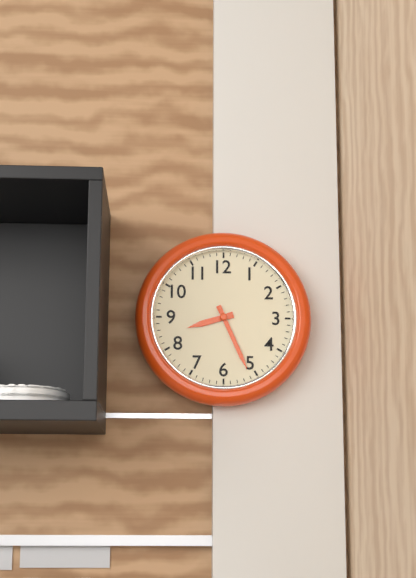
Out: 8h26
